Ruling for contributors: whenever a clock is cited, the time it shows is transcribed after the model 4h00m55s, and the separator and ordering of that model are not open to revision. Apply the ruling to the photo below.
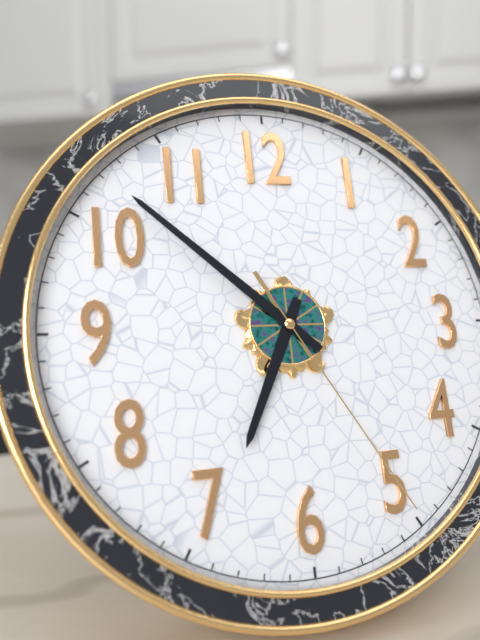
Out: 6h52m25s
